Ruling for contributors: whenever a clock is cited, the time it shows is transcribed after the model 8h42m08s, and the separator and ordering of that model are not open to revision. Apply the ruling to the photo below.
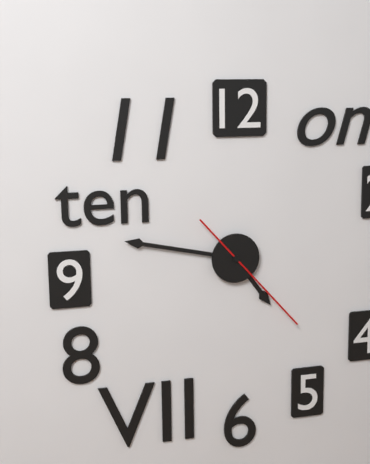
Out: 4h47m23s
